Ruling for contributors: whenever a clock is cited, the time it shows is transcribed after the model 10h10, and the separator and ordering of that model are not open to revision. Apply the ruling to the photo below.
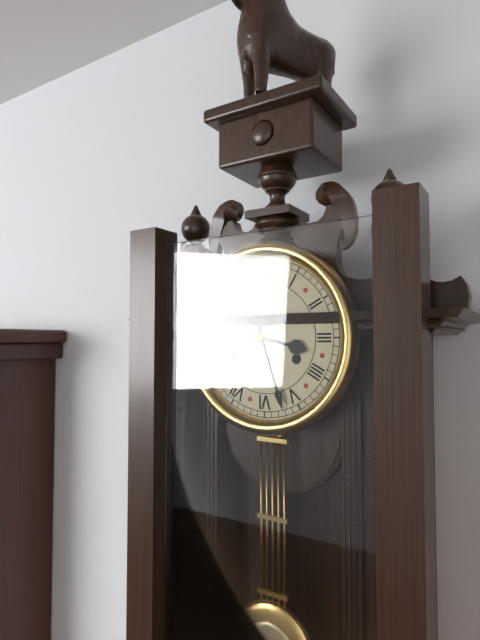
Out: 3h27
